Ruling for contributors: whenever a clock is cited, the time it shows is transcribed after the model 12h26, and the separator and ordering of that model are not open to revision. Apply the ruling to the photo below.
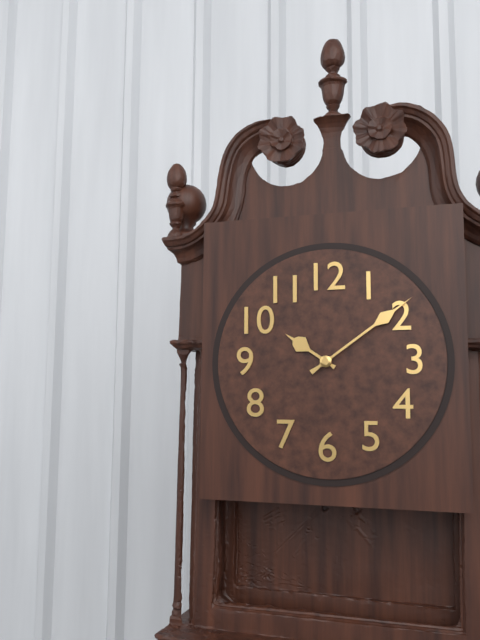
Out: 10h09
